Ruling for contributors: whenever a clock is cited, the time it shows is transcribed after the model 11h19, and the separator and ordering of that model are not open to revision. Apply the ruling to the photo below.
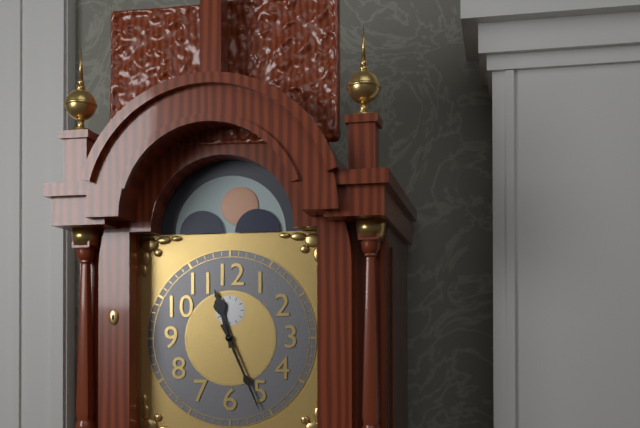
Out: 11h26
